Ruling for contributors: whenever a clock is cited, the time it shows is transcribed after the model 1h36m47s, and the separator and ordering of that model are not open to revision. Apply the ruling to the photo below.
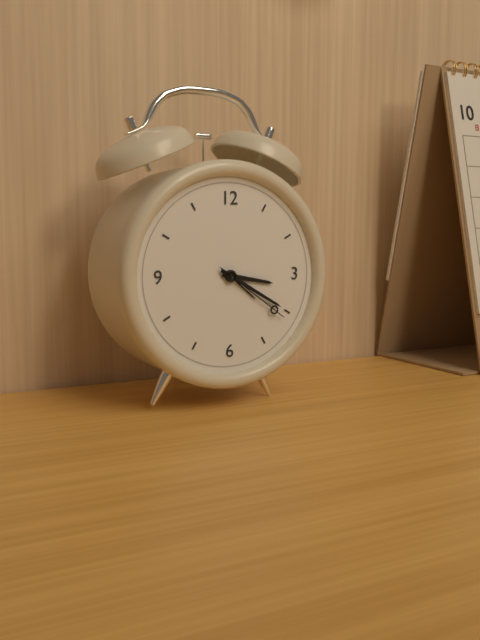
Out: 3h20m21s
